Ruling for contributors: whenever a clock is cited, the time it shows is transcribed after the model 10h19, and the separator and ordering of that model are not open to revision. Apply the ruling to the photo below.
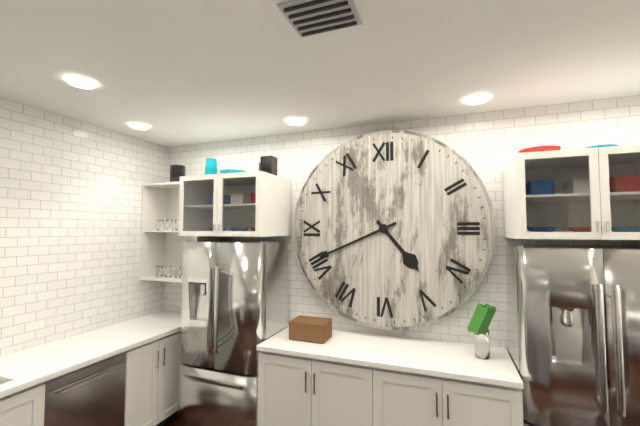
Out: 4h41
